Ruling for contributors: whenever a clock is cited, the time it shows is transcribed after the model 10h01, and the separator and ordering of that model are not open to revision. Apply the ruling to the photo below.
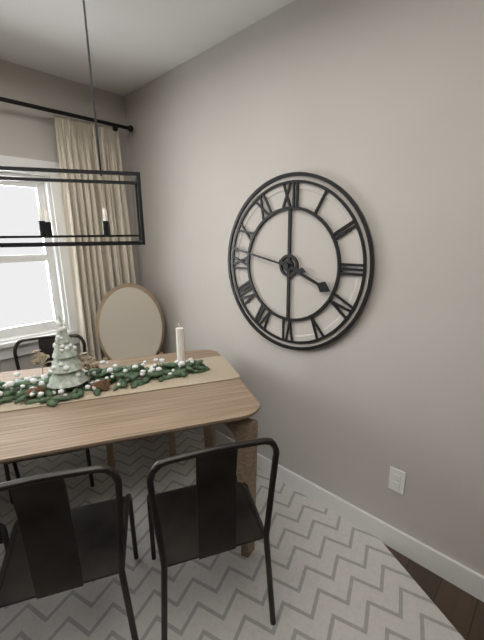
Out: 3h47
